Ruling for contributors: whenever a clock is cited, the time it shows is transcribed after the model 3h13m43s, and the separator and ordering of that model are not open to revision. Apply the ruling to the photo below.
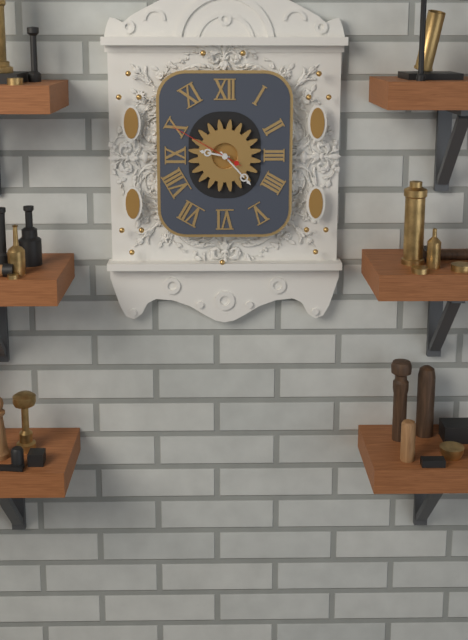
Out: 9h23m50s
